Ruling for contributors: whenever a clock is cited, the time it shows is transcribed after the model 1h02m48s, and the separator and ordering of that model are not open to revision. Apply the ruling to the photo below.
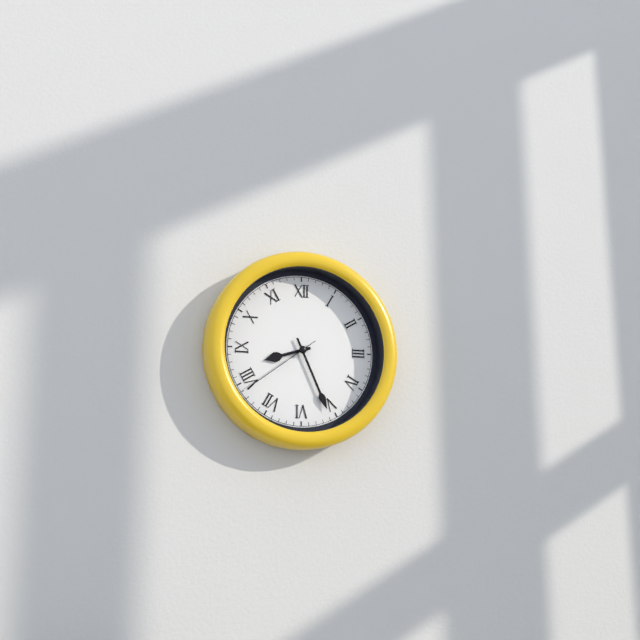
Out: 8h26m39s
